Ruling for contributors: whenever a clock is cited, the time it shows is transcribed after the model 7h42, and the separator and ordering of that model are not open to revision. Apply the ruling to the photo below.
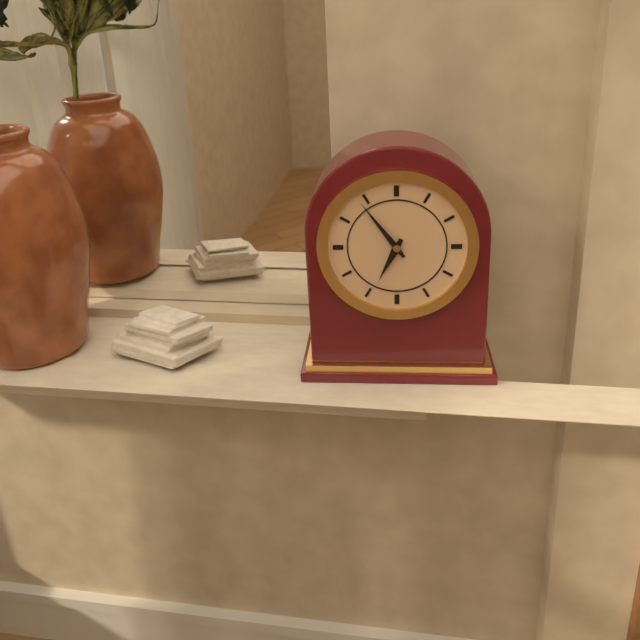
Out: 6h54
